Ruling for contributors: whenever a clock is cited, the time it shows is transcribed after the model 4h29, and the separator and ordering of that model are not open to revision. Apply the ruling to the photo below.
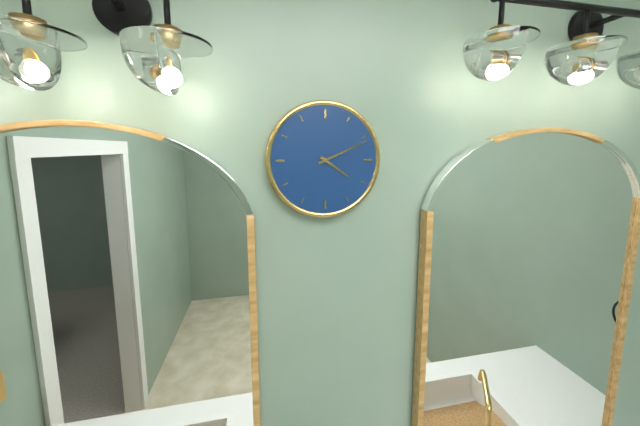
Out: 4h11
